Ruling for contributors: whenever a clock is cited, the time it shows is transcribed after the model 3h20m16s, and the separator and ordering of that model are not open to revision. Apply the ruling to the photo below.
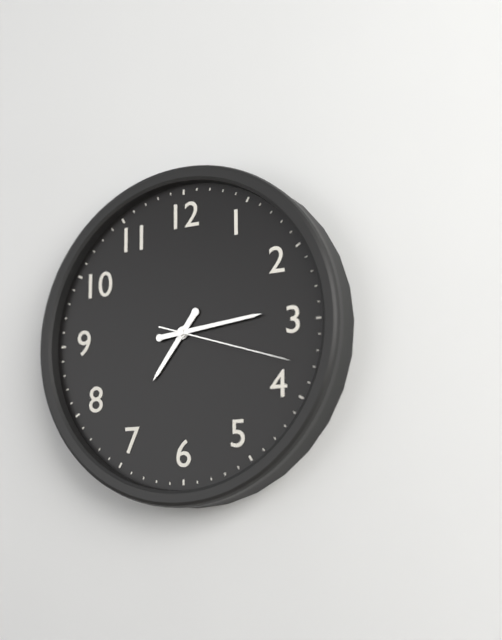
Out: 7h14m18s
